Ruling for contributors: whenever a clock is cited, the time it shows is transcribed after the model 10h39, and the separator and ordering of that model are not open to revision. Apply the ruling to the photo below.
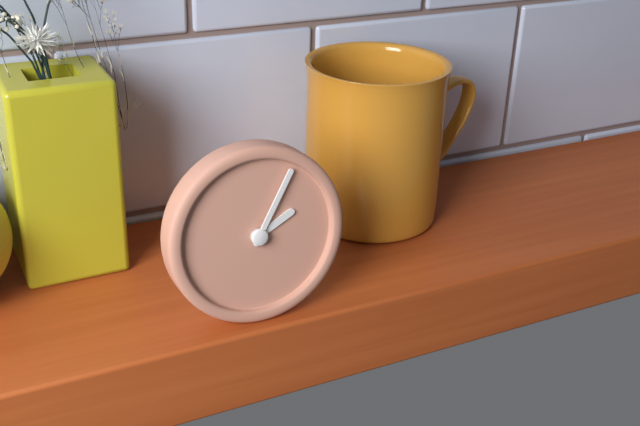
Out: 2h05
